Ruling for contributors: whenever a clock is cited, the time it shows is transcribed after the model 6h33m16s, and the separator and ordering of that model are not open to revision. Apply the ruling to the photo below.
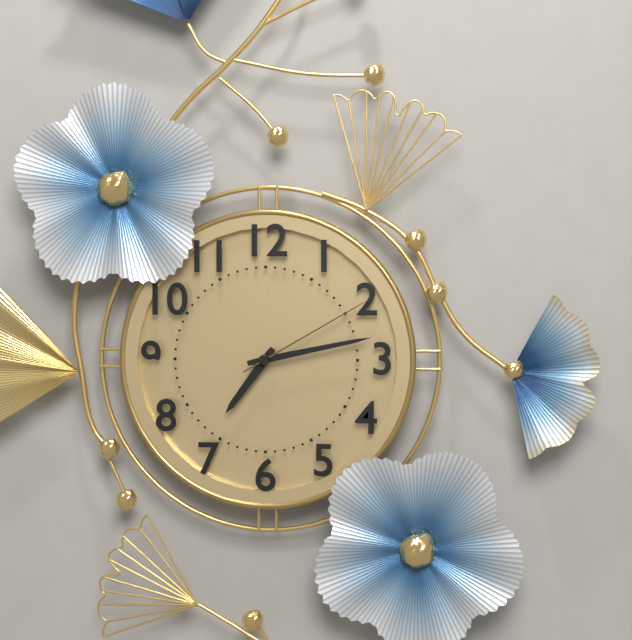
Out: 7h13m10s
